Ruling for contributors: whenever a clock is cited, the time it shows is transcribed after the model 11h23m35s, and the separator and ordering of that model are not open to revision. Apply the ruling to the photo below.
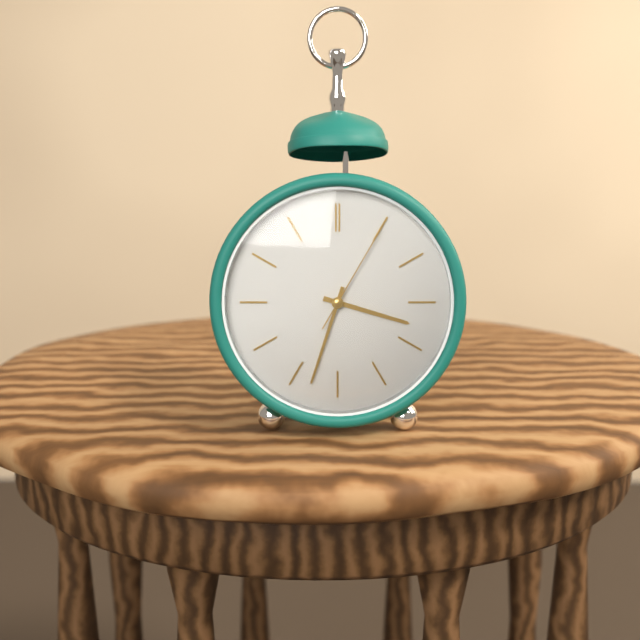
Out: 3h33m05s
